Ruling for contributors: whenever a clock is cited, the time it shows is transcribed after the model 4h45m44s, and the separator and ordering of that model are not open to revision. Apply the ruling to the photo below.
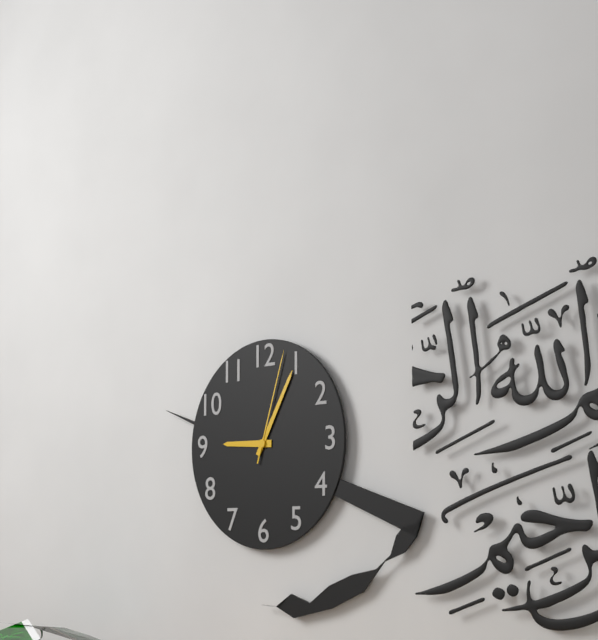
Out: 9h05m03s
